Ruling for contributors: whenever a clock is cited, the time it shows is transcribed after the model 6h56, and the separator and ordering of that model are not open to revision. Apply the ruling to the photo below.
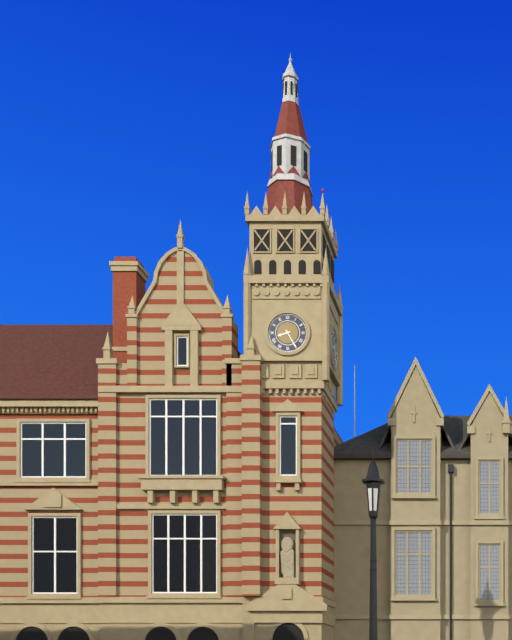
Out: 8h25
